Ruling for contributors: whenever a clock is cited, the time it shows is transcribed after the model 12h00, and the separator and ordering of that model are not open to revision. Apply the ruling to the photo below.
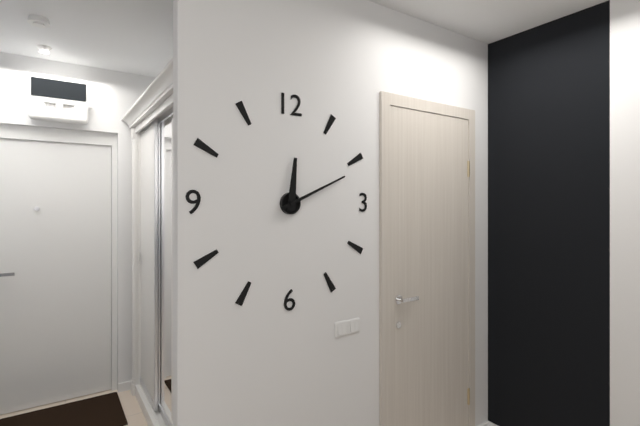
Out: 12h11
